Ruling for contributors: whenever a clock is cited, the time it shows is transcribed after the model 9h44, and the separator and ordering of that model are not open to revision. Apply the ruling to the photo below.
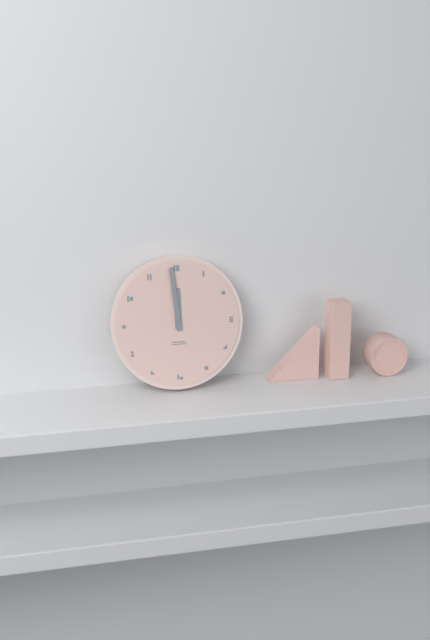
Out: 11h59
